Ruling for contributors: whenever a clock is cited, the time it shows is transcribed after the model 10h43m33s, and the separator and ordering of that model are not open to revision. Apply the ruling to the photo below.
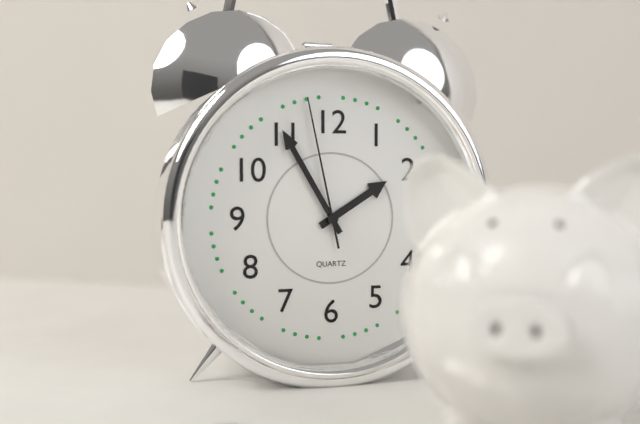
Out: 1h55m58s
